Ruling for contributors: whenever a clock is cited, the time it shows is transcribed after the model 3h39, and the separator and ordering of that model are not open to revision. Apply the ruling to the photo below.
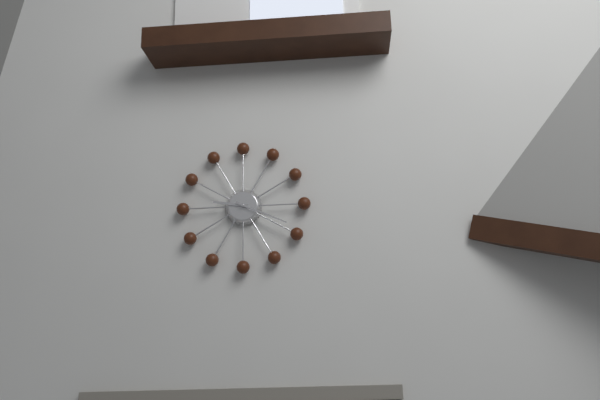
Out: 9h19
